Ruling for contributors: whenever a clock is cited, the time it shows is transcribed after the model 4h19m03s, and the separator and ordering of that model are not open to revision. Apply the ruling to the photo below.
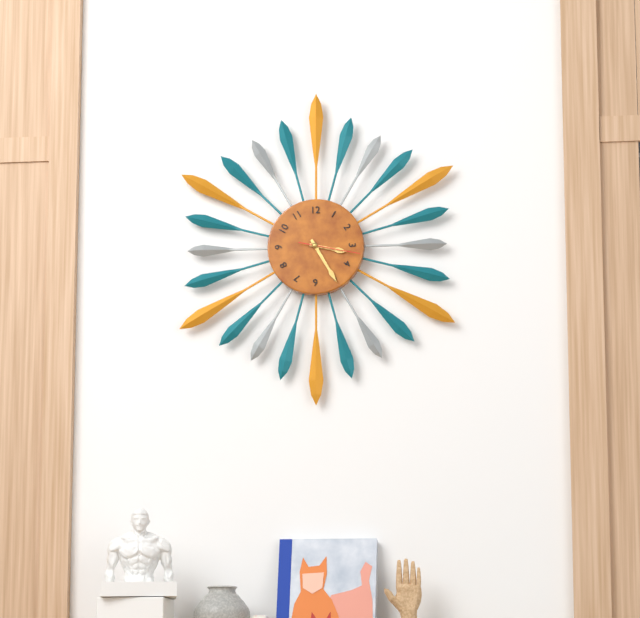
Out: 3h25m17s
